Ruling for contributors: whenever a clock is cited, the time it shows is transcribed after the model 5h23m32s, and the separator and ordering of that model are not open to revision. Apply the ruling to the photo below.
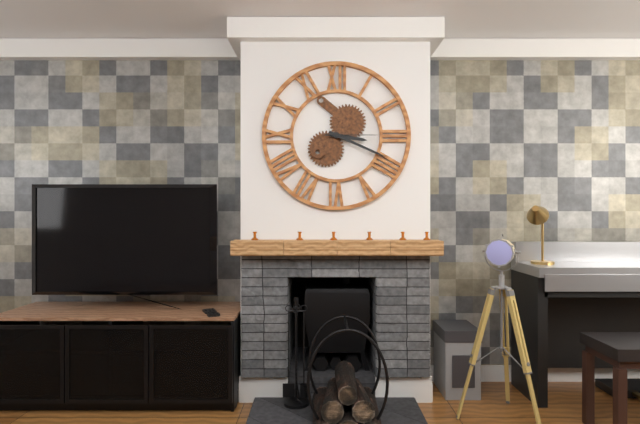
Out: 3h19m15s
